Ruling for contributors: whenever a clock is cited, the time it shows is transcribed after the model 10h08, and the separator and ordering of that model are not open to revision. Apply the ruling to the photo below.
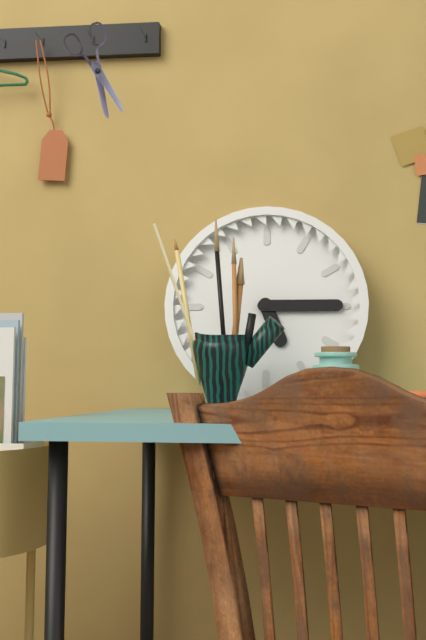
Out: 5h15
